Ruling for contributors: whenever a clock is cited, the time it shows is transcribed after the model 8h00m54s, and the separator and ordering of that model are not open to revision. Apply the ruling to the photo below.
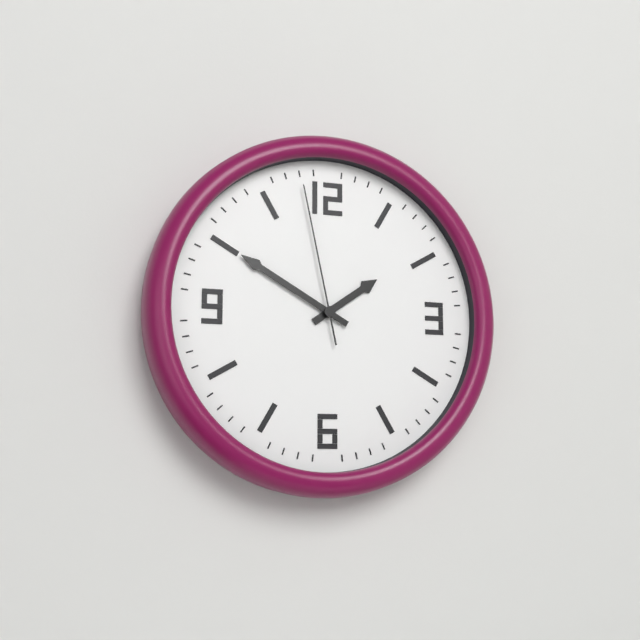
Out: 1h50m58s
